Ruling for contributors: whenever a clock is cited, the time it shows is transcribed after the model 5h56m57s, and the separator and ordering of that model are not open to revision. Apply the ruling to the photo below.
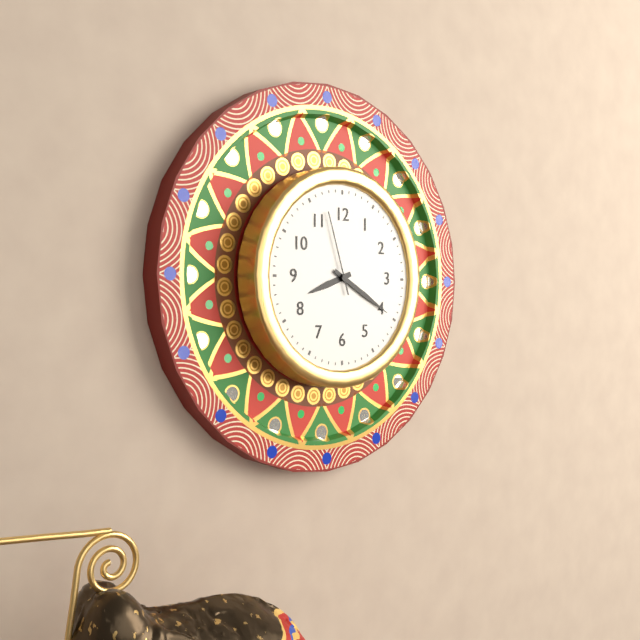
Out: 8h20m57s
